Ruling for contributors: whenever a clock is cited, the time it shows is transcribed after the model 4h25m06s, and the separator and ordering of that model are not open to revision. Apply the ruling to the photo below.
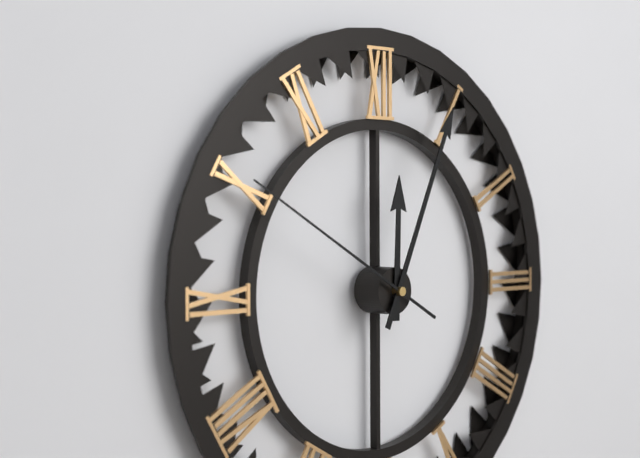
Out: 12h04m50s
